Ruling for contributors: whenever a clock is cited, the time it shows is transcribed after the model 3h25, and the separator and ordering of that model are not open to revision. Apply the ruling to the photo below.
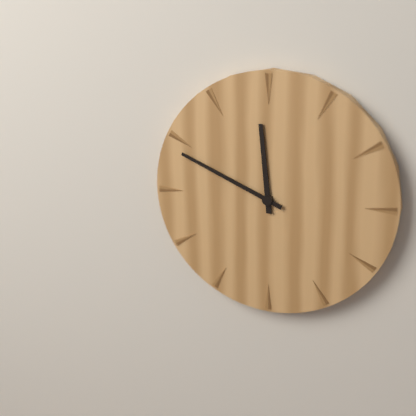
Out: 11h49
